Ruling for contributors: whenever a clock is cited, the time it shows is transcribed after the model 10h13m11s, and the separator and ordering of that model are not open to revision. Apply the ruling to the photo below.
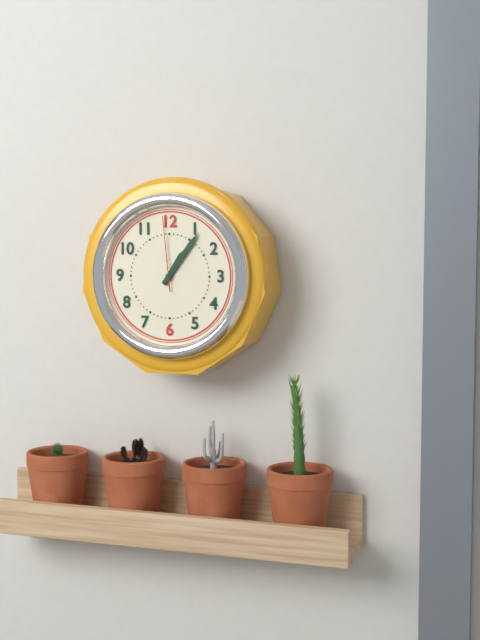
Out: 1h06m59s
